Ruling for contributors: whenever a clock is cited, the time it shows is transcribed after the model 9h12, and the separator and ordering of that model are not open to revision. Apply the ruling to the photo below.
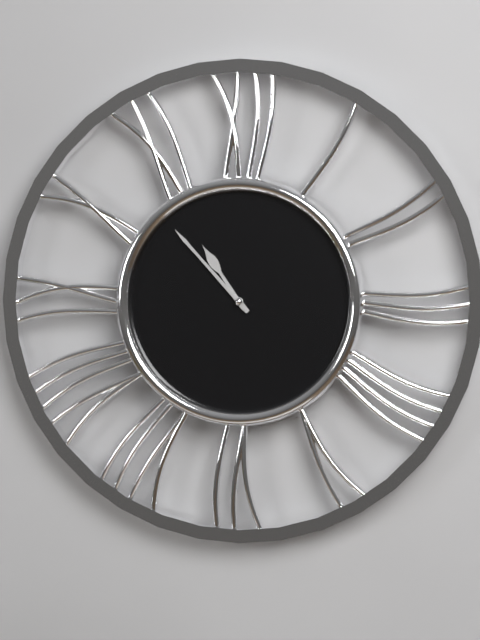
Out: 10h53
